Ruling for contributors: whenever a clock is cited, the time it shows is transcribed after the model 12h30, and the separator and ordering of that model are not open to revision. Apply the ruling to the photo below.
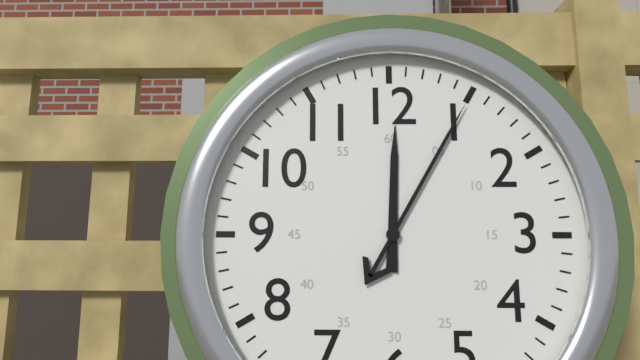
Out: 12h05
